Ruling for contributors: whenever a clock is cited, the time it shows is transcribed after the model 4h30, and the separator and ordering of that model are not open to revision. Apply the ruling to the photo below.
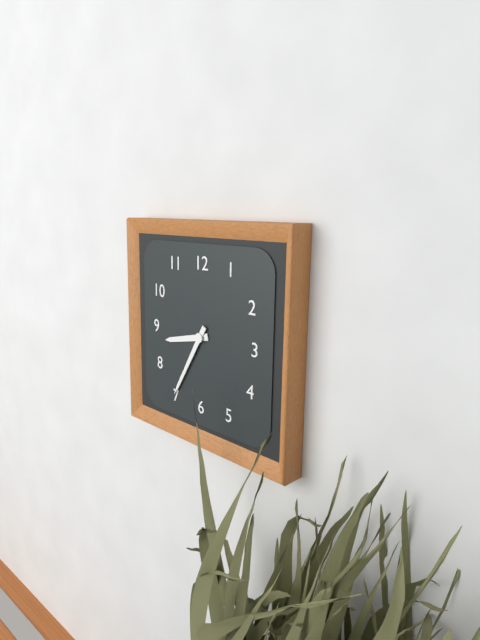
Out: 8h35
